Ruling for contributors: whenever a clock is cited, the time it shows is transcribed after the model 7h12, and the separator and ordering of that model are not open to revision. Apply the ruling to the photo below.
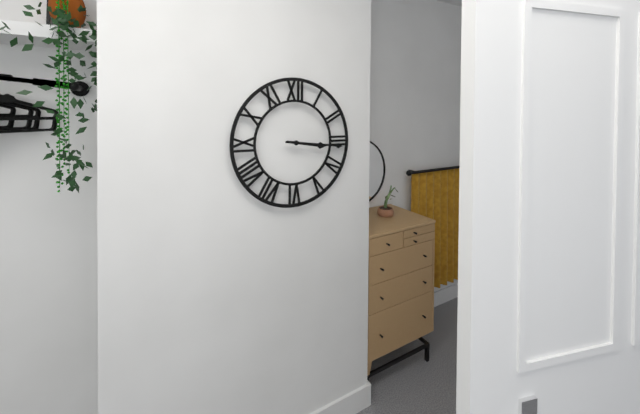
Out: 3h16
